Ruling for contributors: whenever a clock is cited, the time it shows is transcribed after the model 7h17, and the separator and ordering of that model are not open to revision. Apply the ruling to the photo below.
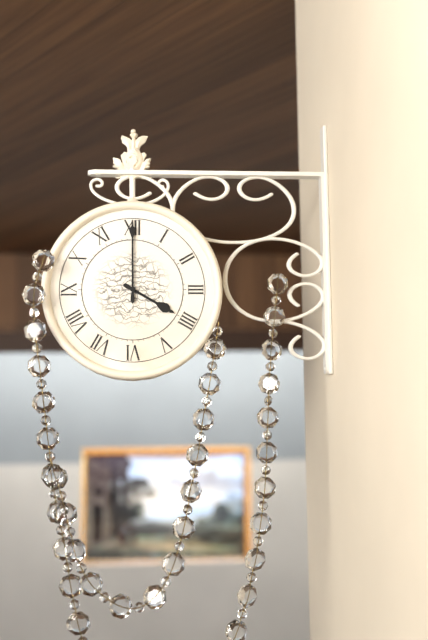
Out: 4h00
